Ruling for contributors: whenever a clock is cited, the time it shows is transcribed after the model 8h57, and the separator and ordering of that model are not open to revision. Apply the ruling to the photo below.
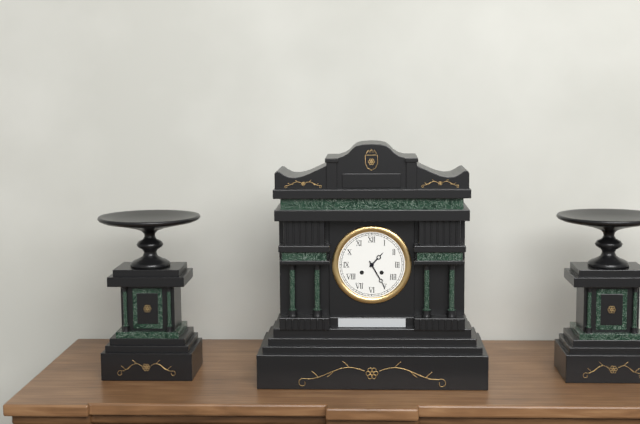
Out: 1h25
